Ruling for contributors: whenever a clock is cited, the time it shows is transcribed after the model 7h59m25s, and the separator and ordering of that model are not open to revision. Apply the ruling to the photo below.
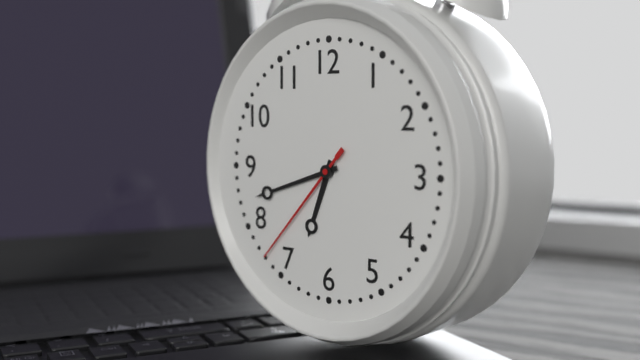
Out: 6h42m37s
